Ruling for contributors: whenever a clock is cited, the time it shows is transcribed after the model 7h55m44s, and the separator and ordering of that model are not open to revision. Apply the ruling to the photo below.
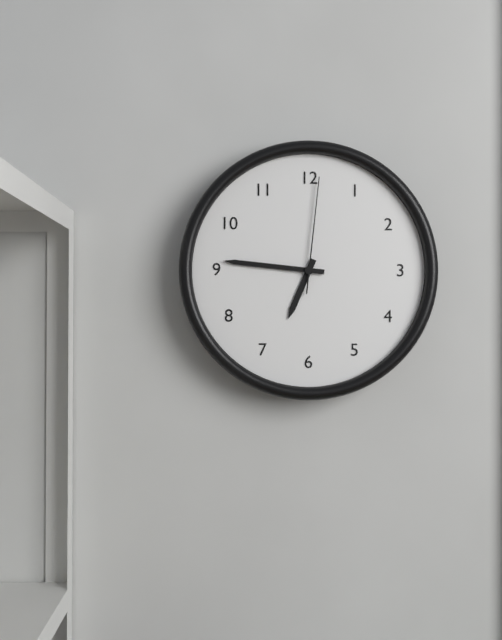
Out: 6h46m01s
